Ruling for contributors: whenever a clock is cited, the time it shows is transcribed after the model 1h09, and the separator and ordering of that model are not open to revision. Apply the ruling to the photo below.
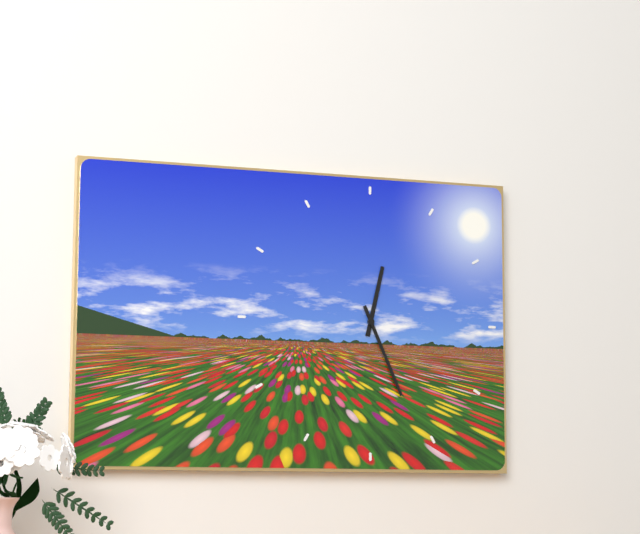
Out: 12h26
